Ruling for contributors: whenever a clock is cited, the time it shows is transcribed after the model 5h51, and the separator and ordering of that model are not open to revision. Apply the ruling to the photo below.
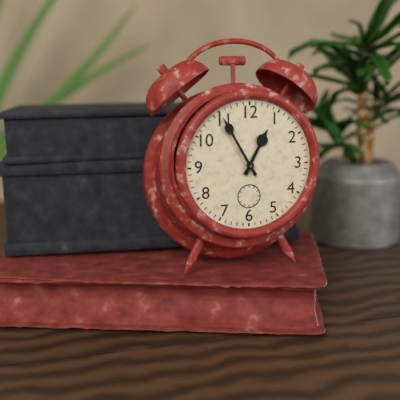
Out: 12h55
